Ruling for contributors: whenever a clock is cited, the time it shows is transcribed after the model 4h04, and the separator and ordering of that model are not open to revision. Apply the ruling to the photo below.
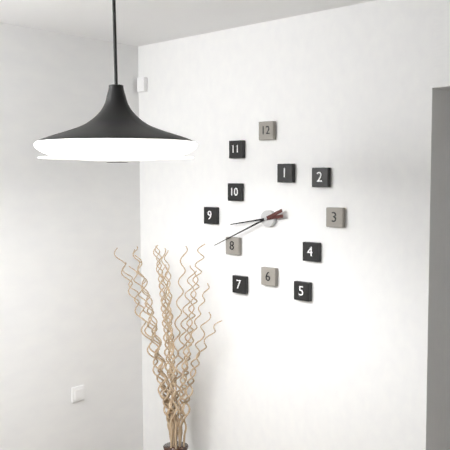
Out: 8h41
